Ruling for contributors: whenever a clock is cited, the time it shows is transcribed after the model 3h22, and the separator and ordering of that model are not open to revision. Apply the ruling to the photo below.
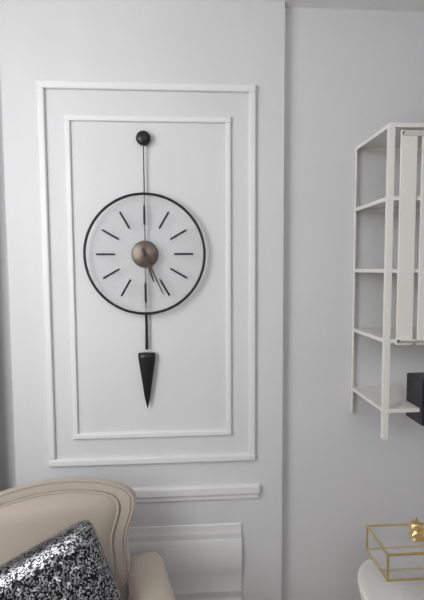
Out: 5h26
